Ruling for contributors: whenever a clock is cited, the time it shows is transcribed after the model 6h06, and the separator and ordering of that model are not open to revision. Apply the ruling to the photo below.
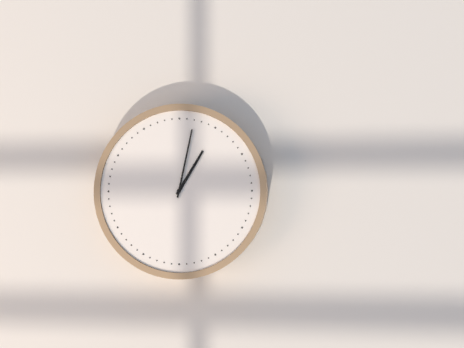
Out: 1h02
